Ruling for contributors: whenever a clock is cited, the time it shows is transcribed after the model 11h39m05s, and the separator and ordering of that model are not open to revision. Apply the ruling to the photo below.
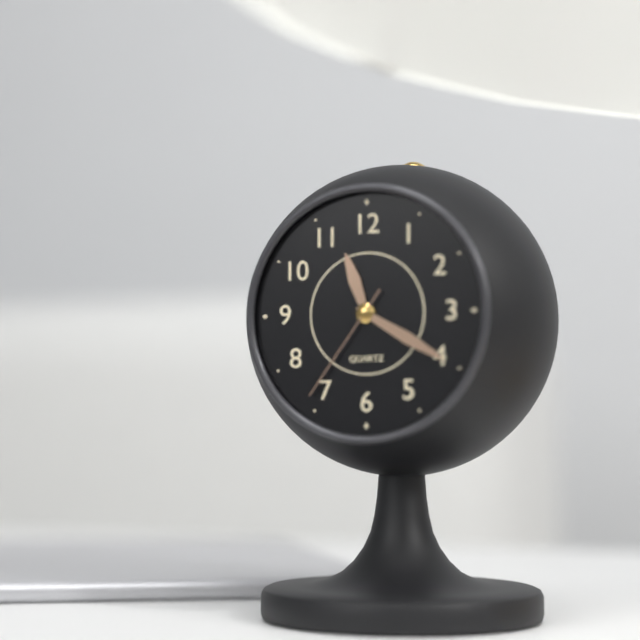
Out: 11h20m36s
